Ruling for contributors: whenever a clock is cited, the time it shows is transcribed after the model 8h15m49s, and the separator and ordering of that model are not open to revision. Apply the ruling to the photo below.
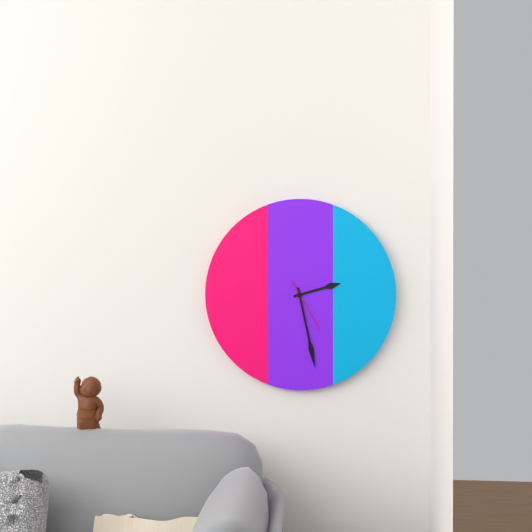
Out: 2h28m25s
